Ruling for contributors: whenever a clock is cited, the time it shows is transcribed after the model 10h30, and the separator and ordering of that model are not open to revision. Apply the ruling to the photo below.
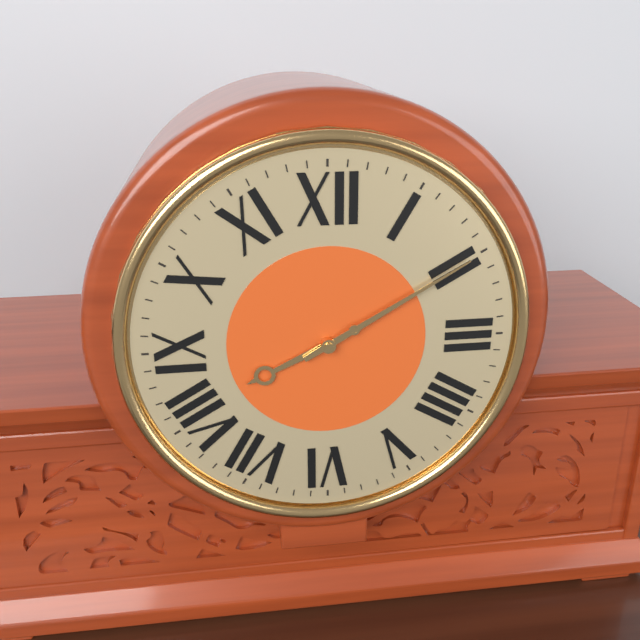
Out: 8h10
